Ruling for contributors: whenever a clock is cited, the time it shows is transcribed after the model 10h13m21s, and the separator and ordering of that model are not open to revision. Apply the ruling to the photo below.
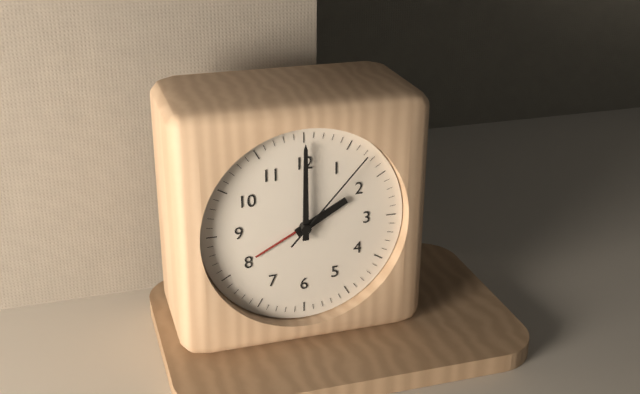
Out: 2h00m07s
